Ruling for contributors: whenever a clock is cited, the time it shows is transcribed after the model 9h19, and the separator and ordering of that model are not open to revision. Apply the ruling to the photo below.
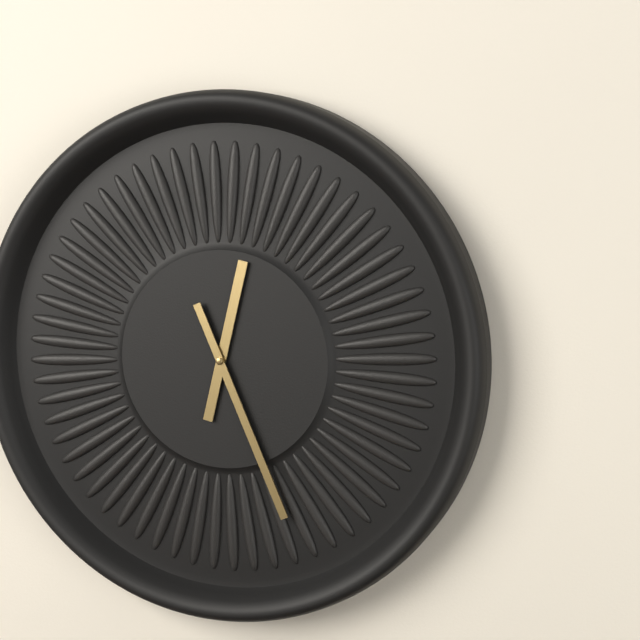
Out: 12h26
